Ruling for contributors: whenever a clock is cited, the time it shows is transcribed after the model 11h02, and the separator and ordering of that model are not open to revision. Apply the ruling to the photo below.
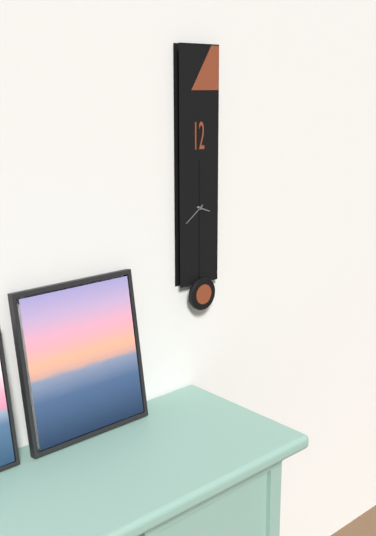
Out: 3h39
